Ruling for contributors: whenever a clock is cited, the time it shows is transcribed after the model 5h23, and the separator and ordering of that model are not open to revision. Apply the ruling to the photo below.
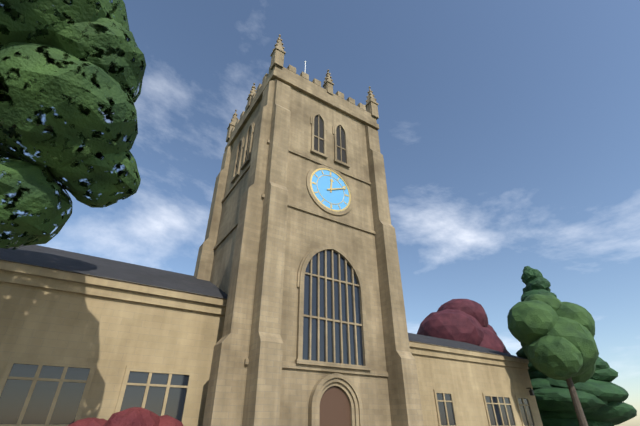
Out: 12h11
